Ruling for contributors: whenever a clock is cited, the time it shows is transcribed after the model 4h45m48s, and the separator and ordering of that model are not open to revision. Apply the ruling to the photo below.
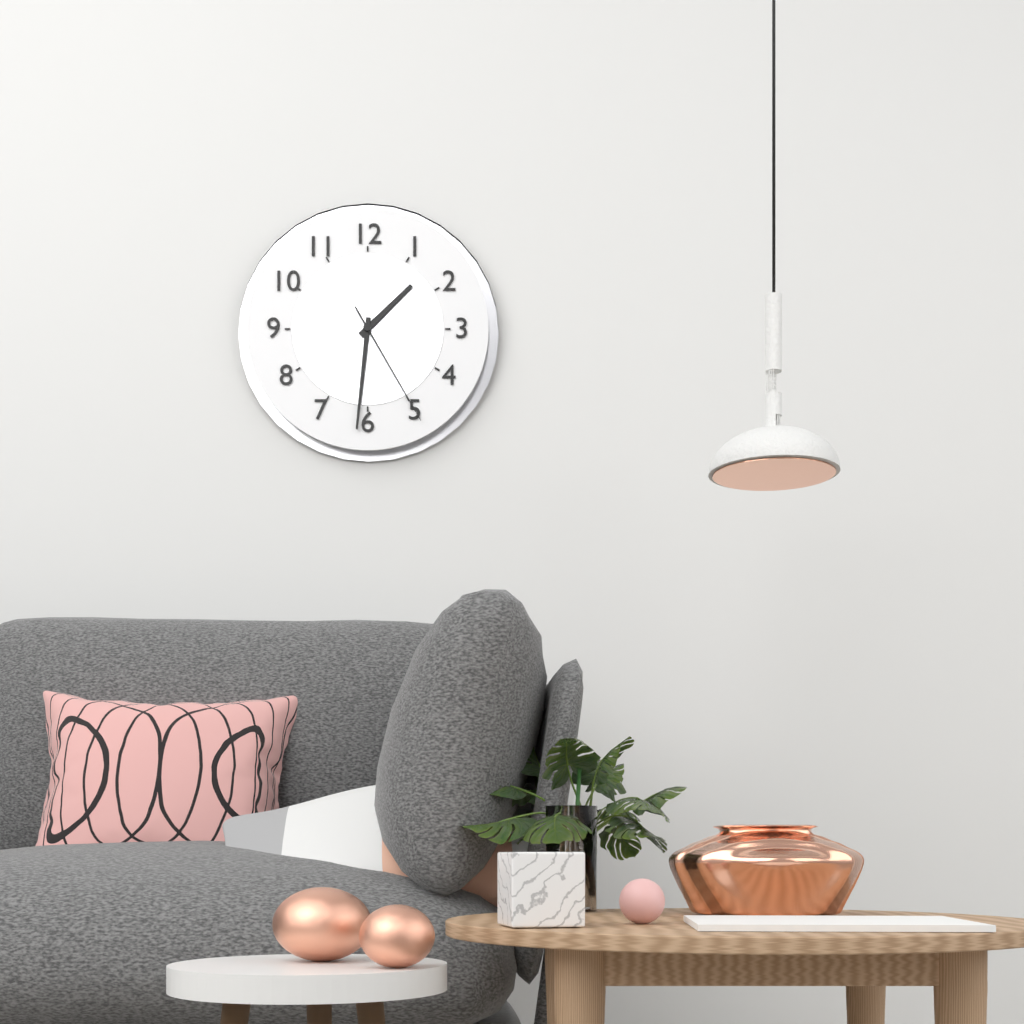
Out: 1h31m25s
